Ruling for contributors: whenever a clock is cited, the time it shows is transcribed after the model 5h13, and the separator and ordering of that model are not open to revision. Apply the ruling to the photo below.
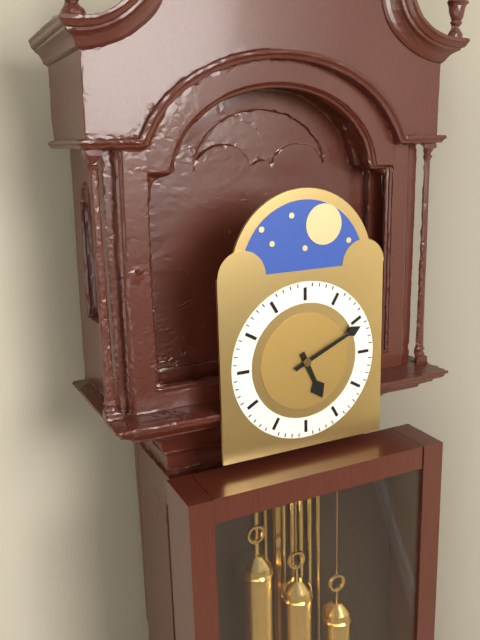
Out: 5h11
